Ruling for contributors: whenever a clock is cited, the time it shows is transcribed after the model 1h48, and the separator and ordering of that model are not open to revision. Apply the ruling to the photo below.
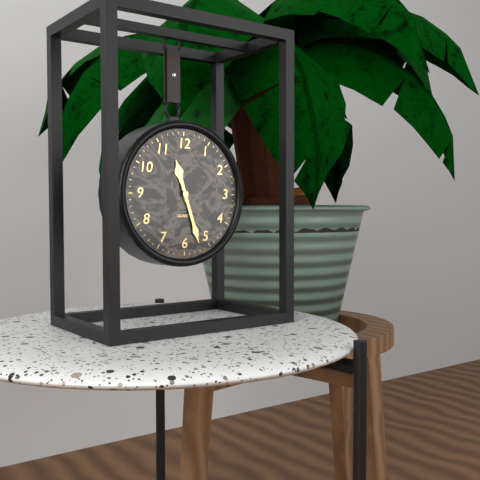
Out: 11h27
